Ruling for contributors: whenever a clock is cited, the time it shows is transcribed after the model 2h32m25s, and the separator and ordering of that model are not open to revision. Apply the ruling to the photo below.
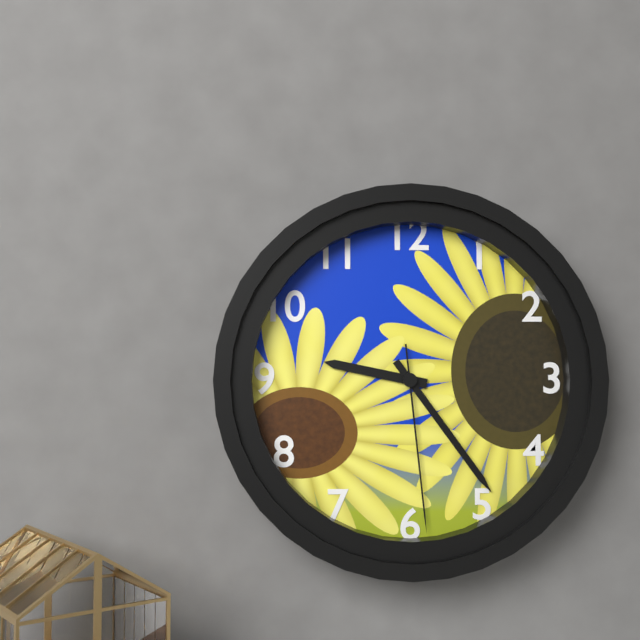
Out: 9h24m29s
